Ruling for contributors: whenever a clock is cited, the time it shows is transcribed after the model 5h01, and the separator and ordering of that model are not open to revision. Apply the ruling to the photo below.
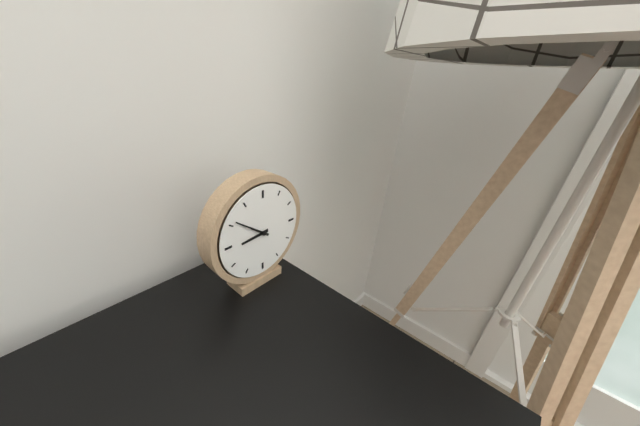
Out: 8h51
